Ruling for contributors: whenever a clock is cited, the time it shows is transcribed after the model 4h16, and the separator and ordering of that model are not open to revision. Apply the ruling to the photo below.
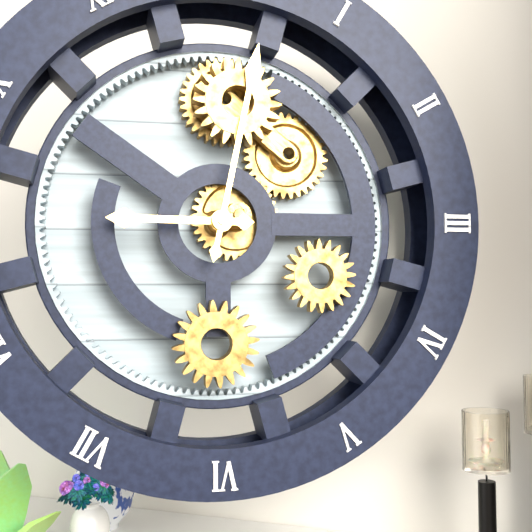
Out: 9h02
